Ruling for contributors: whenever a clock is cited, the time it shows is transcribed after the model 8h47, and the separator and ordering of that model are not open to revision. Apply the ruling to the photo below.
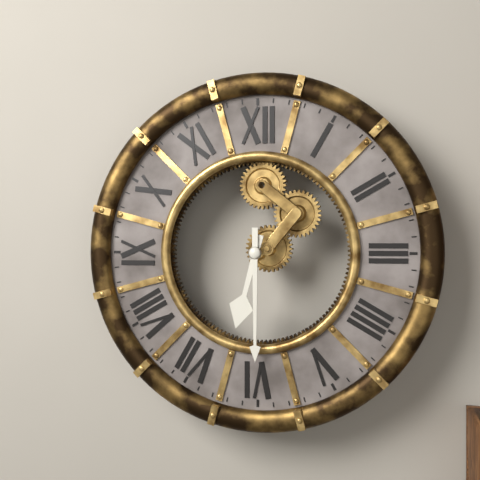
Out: 6h30
